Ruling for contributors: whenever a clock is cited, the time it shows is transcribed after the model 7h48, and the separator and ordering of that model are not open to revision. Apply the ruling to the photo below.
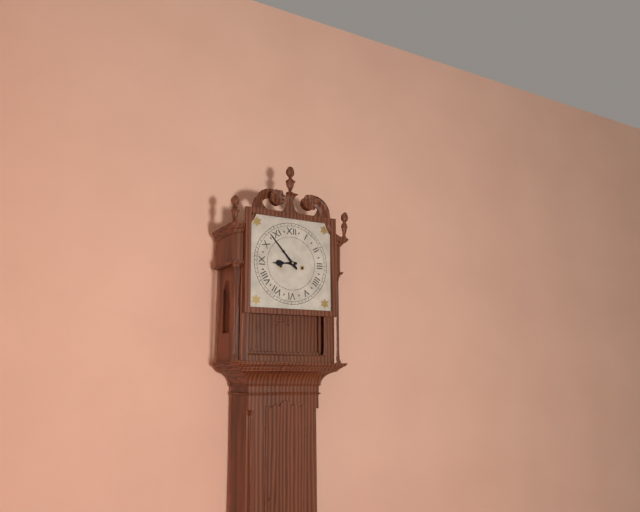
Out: 8h53
